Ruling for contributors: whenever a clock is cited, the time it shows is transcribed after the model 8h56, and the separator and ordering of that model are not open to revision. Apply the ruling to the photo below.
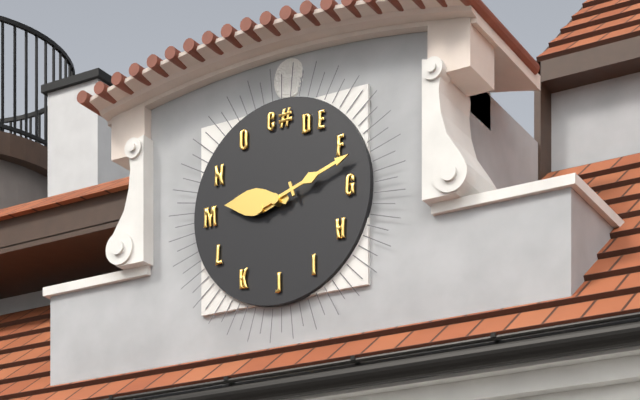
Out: 9h12
